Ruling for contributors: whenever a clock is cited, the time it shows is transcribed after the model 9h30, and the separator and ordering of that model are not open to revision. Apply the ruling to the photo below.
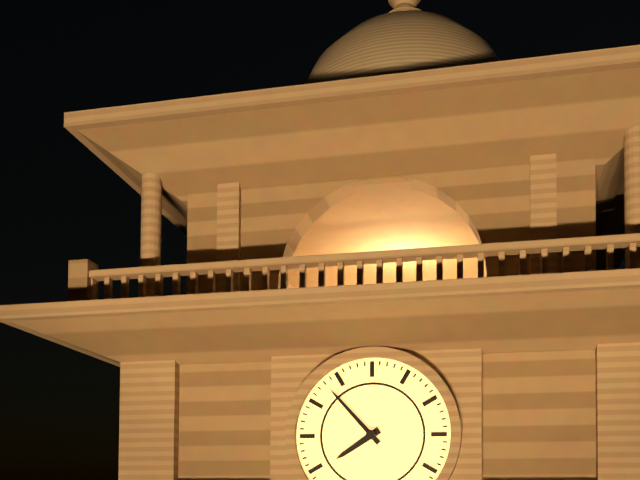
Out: 7h53
